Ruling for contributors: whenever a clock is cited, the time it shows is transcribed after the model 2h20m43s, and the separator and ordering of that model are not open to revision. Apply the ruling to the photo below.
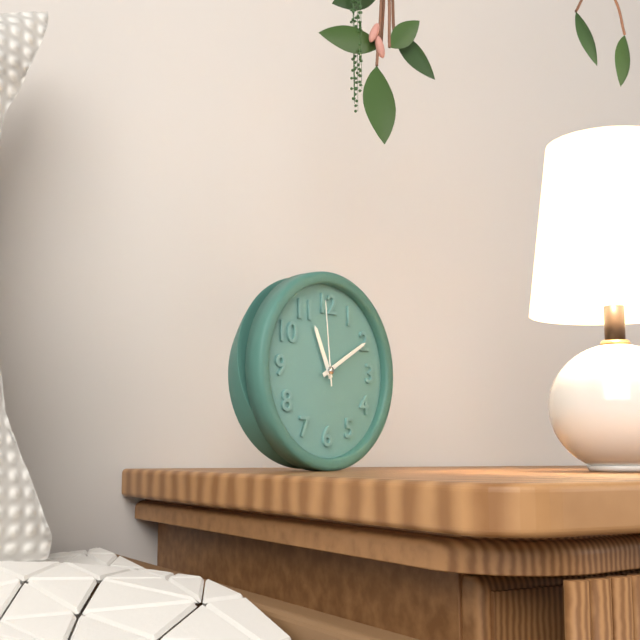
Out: 11h10m59s
